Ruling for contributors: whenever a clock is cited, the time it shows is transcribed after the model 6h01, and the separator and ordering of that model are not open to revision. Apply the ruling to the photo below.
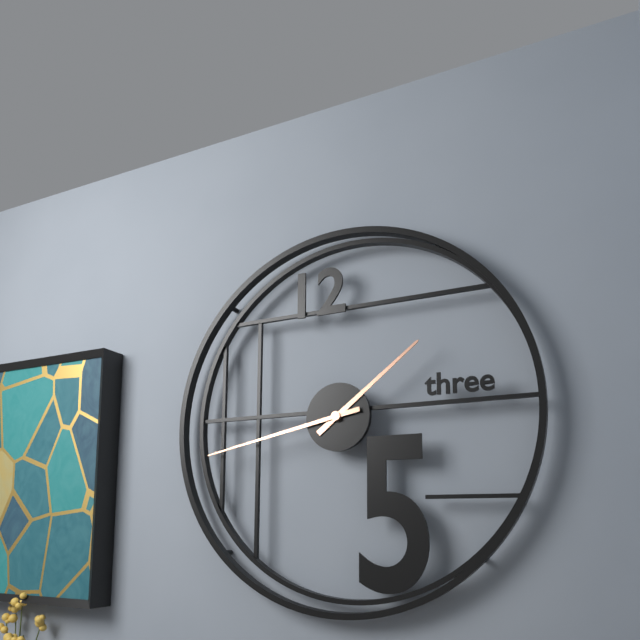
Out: 1h43
